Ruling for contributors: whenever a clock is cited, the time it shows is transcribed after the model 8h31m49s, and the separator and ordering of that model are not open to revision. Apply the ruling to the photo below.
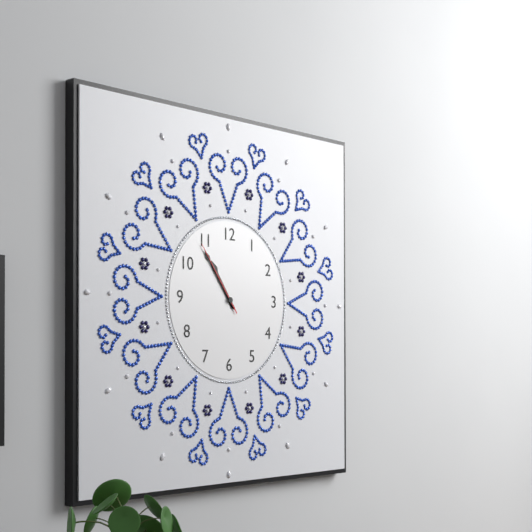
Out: 10h54m54s
